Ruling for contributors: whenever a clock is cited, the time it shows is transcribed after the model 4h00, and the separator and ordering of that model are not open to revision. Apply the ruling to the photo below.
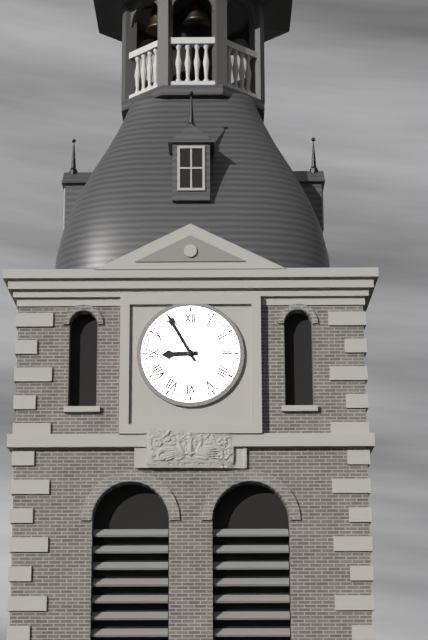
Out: 8h55
